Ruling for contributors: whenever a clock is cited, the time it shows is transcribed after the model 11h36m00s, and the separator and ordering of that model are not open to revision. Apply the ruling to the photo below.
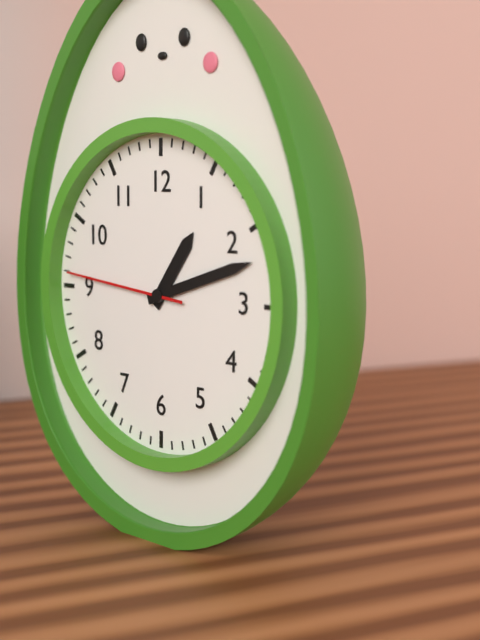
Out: 1h12m46s
